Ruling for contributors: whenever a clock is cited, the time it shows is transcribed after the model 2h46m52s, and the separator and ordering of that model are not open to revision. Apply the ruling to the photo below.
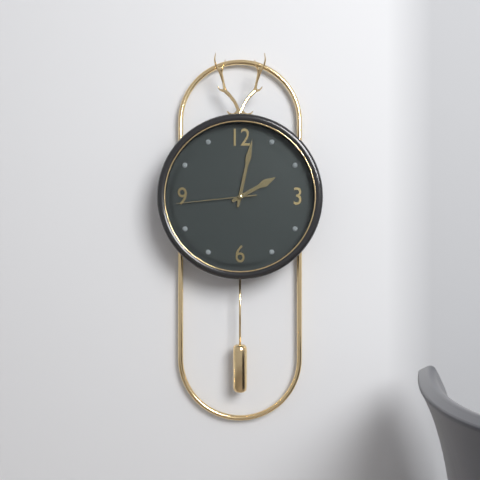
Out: 2h02m44s
